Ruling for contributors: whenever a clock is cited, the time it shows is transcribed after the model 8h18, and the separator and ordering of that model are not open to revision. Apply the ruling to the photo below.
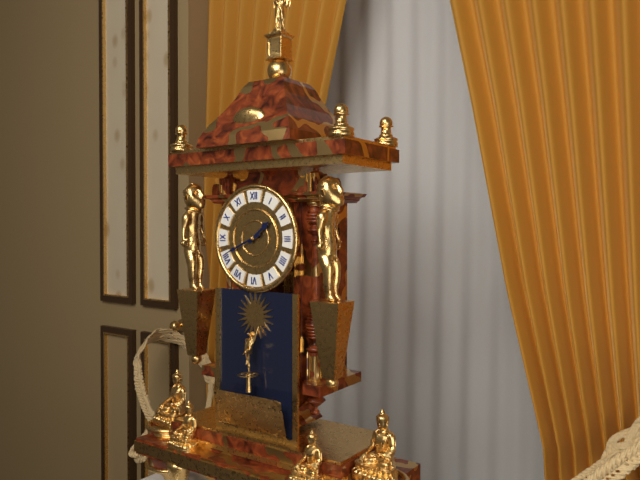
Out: 1h41
